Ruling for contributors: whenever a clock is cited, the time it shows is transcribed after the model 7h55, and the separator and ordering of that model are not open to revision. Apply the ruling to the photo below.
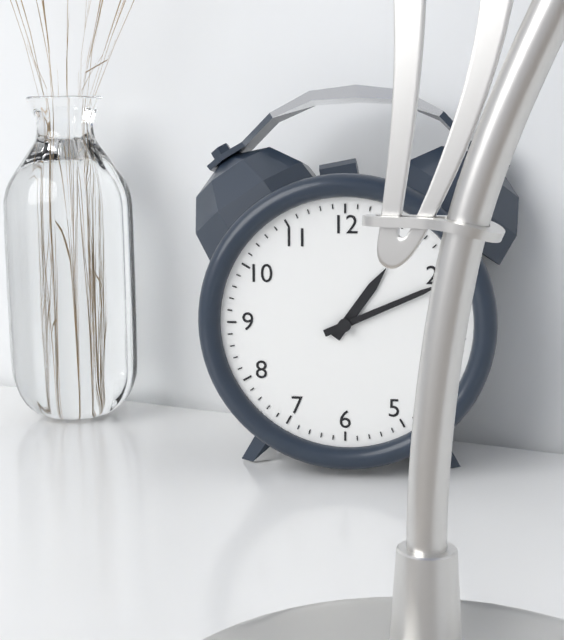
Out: 1h11
